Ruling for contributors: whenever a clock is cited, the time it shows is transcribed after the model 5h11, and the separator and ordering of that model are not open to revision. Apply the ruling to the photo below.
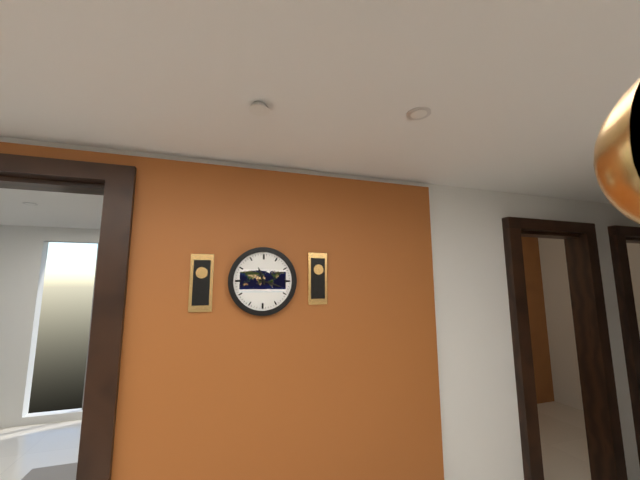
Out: 11h18
